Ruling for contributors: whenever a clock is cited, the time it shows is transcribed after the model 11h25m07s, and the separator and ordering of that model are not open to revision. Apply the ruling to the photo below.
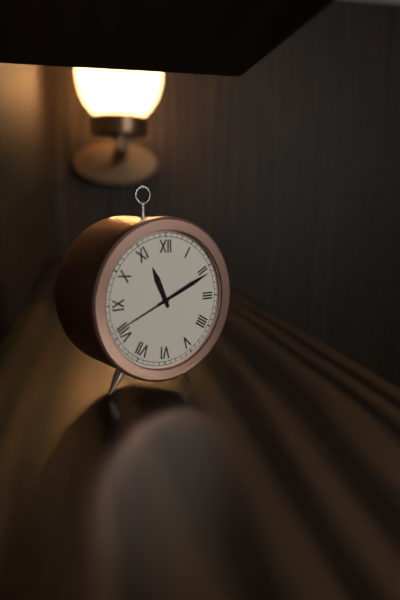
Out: 11h11m41s
